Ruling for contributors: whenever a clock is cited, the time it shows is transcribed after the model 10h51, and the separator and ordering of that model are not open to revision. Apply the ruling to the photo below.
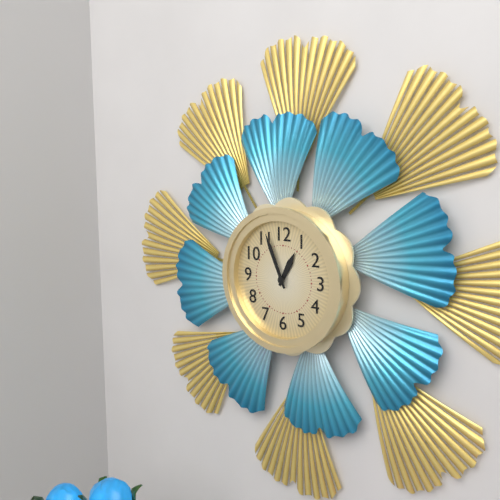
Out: 12h56
